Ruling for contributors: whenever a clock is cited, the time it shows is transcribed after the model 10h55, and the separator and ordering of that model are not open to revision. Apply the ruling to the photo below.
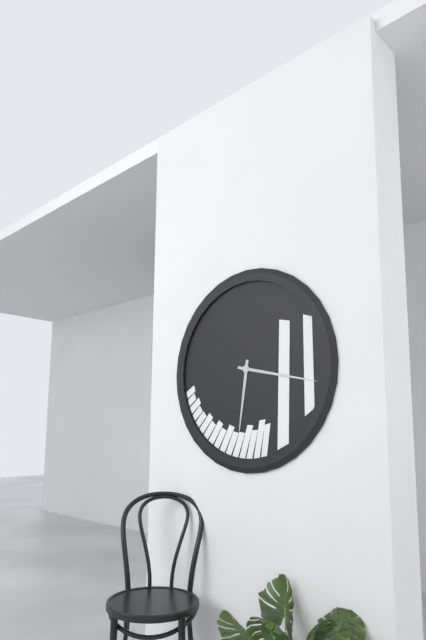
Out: 6h17
